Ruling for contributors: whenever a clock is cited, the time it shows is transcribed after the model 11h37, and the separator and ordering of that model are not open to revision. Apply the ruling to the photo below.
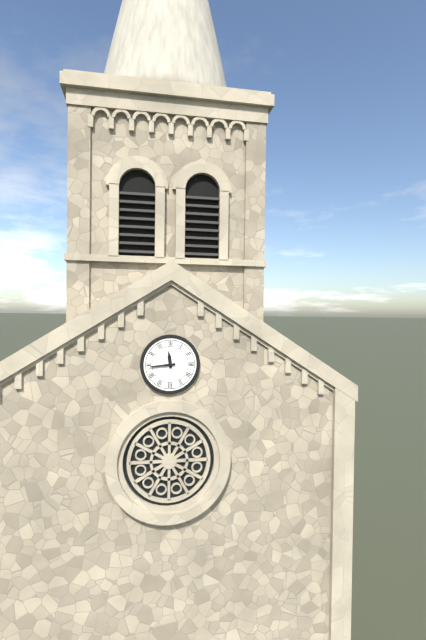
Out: 11h44
